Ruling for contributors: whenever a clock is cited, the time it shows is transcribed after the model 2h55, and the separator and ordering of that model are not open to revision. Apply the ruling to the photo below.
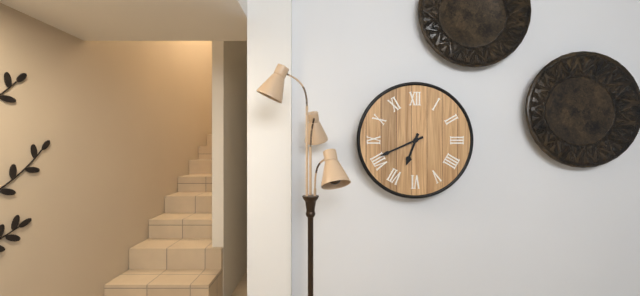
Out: 6h41
